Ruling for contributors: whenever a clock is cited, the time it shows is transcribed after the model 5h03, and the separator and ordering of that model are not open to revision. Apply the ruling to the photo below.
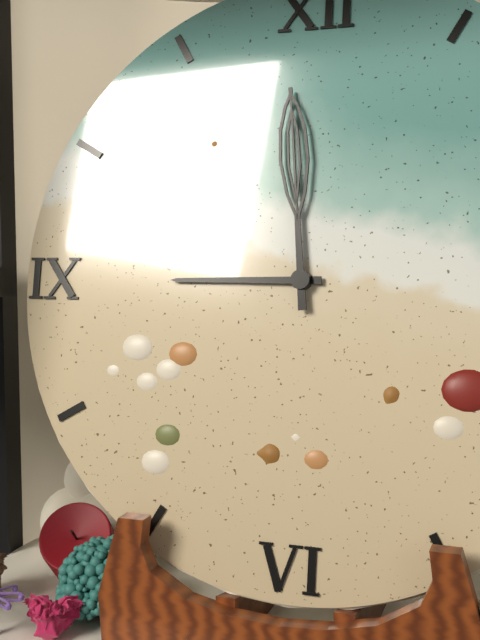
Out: 8h59
